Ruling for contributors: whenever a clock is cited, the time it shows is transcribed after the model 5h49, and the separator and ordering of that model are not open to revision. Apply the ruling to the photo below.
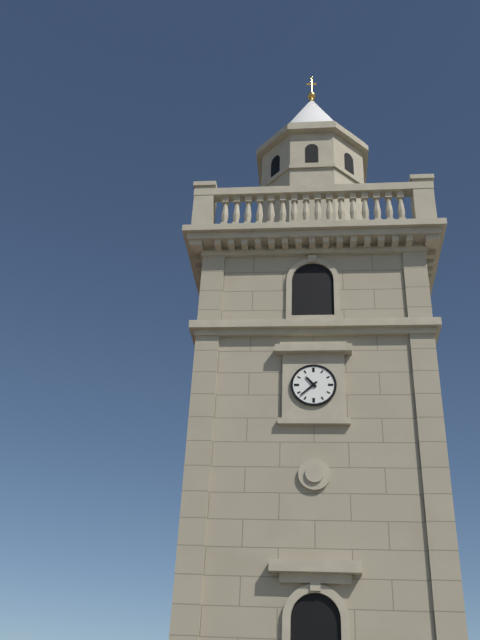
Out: 10h38
